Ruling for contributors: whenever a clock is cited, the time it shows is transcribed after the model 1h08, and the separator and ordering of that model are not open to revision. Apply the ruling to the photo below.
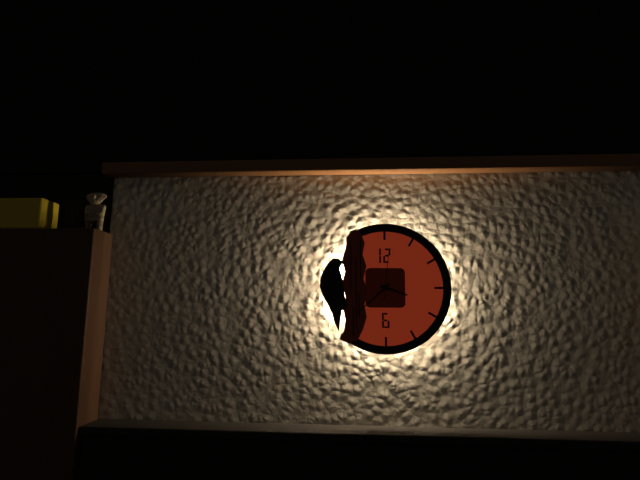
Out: 3h38
